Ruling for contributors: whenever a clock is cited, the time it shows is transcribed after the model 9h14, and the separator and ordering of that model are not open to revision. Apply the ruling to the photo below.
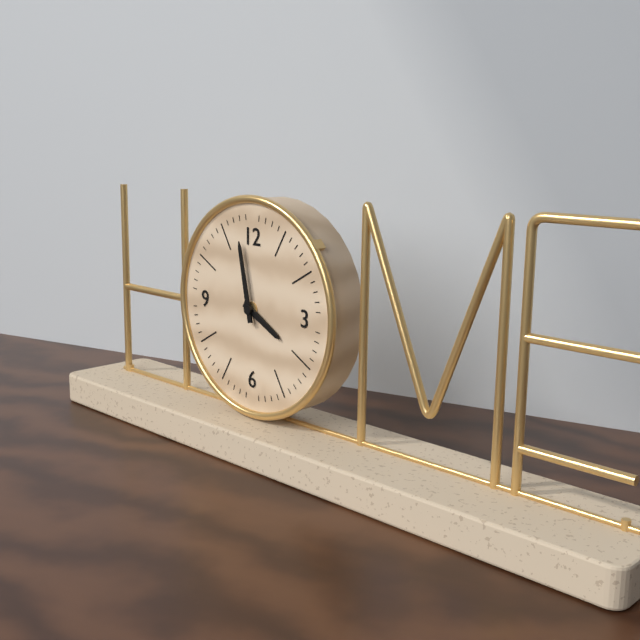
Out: 3h58
